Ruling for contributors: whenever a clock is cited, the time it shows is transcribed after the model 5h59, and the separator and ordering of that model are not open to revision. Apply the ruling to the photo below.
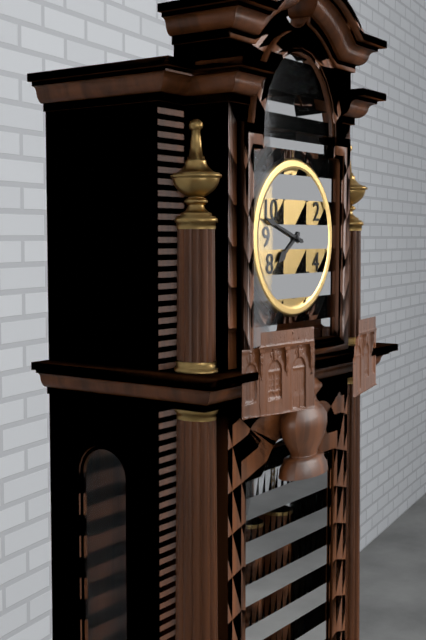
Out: 7h48
